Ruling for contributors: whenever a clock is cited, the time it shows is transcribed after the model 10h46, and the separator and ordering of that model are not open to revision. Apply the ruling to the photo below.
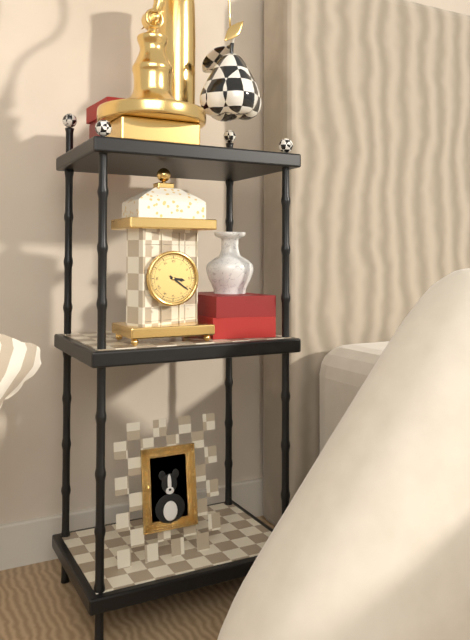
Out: 3h21
